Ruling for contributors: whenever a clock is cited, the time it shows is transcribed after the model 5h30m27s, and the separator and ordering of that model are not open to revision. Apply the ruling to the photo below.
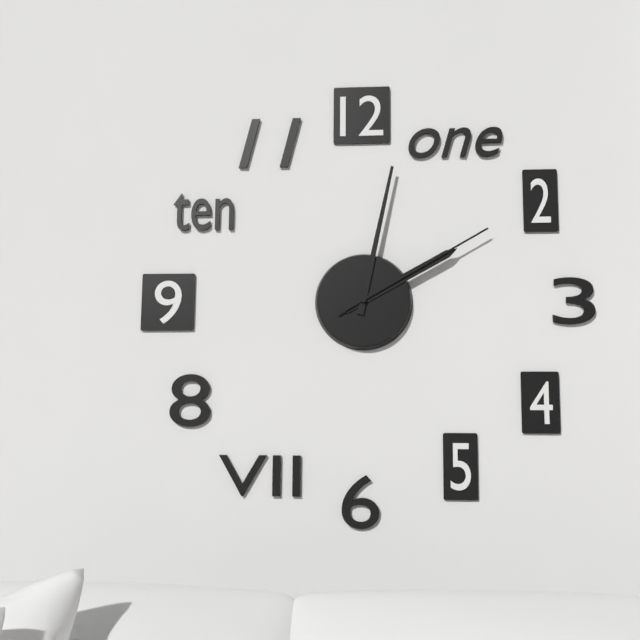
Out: 2h02m10s
